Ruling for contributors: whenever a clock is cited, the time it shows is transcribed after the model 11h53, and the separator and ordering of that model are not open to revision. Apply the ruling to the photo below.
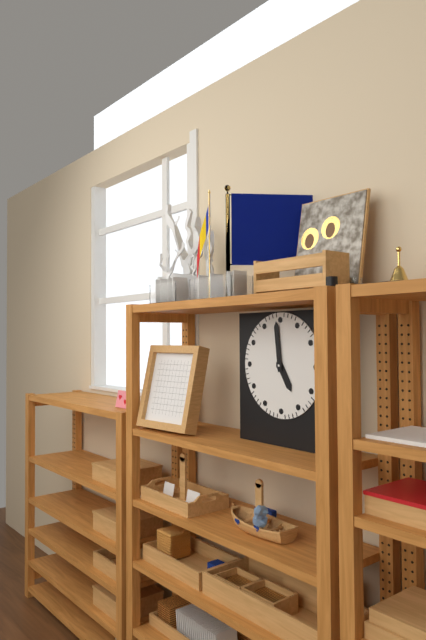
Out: 4h59
